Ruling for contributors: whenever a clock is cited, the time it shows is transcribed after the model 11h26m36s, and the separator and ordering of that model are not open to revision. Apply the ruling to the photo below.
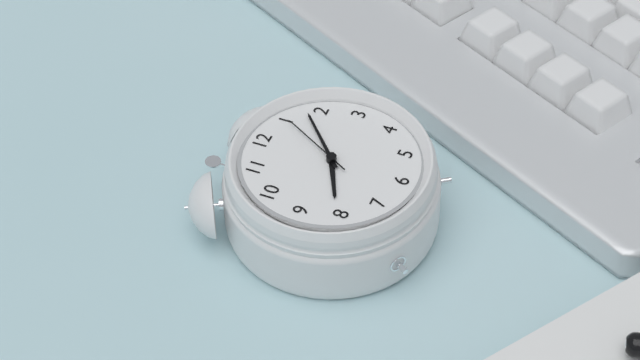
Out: 8h08m05s
